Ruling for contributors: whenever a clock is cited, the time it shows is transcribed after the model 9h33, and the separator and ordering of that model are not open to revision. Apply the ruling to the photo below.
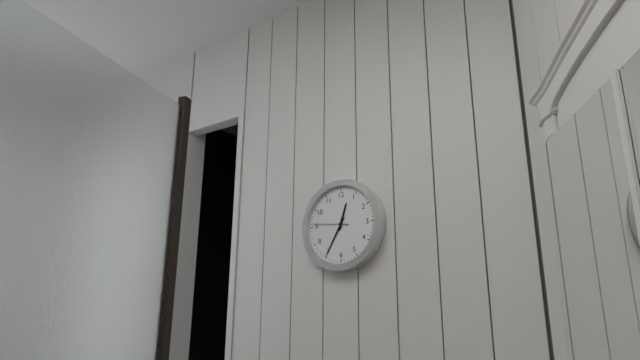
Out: 12h35
